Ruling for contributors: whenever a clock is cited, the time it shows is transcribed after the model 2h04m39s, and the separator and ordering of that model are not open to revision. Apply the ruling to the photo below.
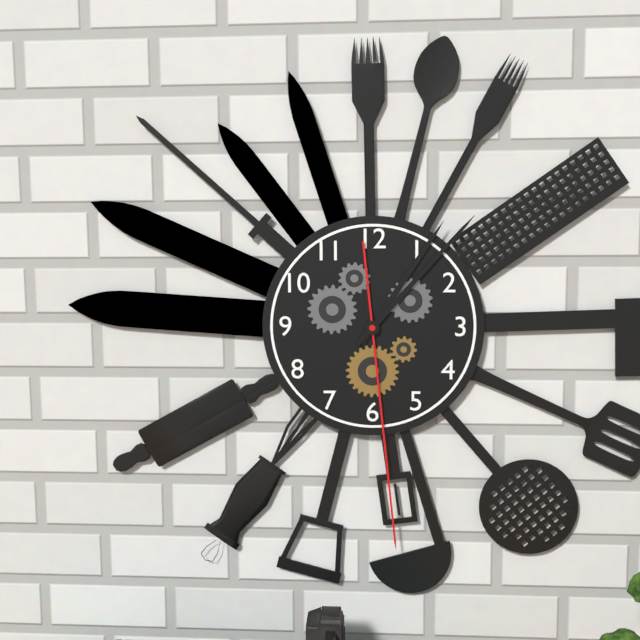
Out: 1h07m29s
